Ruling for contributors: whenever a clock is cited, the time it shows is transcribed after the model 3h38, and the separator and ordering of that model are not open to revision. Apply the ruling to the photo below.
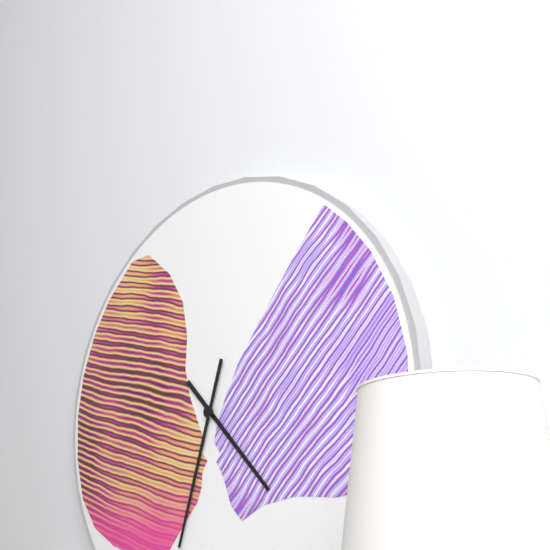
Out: 4h33
